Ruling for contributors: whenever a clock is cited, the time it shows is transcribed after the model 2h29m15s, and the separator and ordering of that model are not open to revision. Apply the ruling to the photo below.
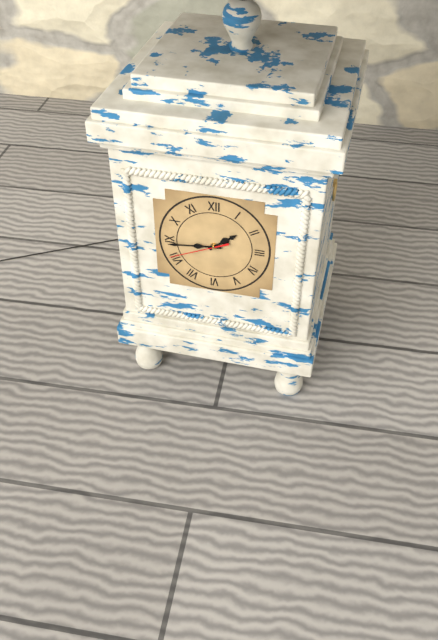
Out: 1h44m41s
